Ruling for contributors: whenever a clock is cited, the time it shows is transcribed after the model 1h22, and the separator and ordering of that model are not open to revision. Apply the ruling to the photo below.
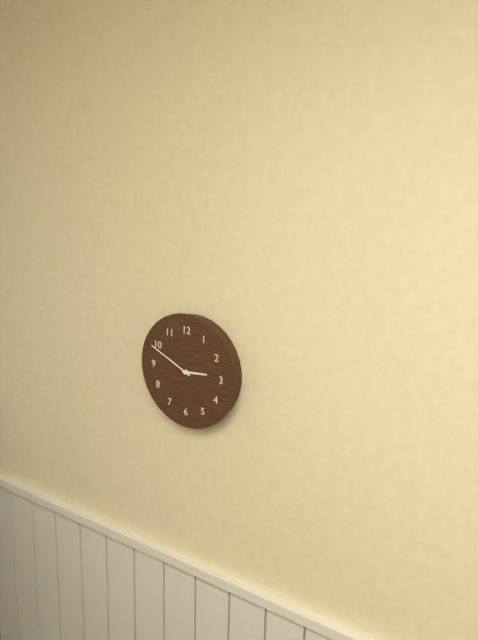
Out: 2h49
